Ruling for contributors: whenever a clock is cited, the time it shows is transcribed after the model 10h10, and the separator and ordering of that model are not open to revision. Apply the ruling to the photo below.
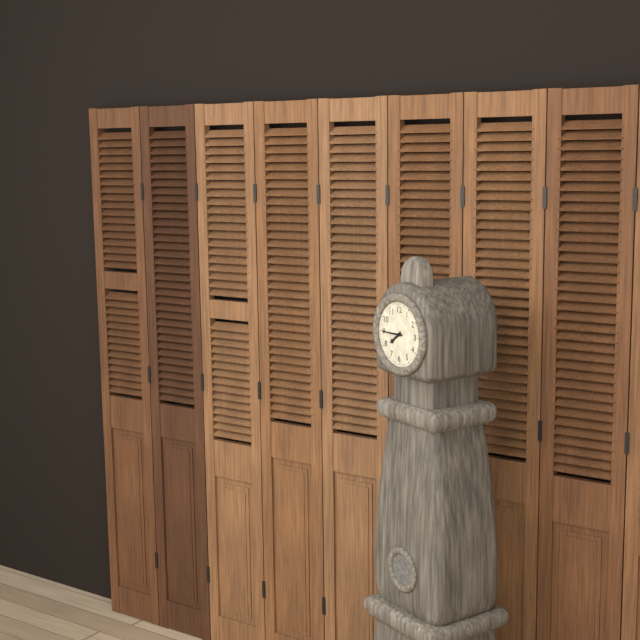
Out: 7h45
